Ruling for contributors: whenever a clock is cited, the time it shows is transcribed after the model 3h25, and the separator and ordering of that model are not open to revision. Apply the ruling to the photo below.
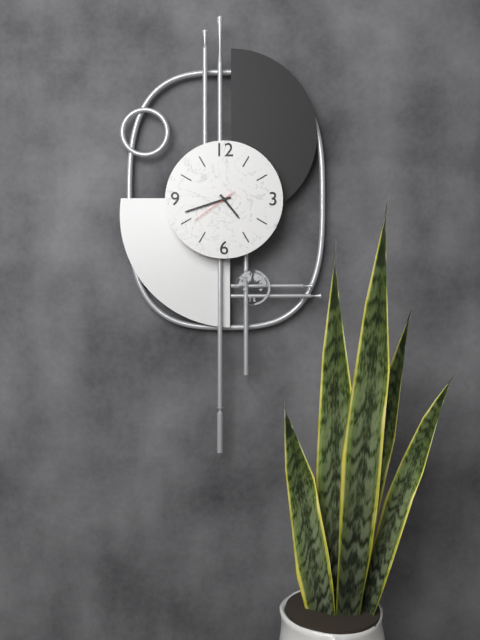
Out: 4h42
